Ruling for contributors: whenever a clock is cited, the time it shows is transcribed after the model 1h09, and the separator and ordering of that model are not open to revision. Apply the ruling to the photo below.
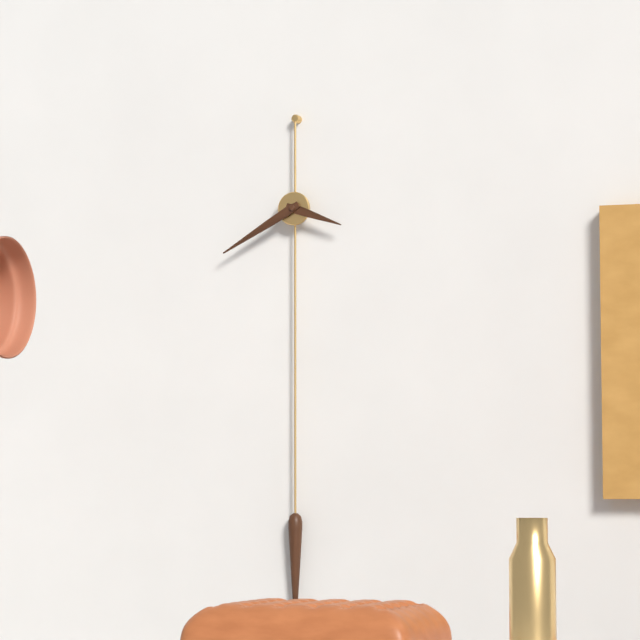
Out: 3h40
